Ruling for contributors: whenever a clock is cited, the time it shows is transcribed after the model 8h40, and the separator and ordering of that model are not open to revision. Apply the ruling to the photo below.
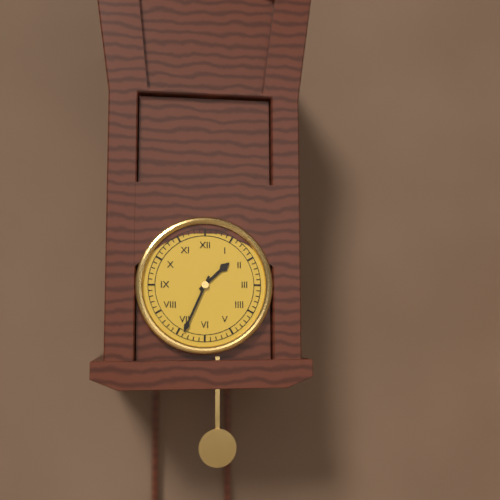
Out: 1h34
